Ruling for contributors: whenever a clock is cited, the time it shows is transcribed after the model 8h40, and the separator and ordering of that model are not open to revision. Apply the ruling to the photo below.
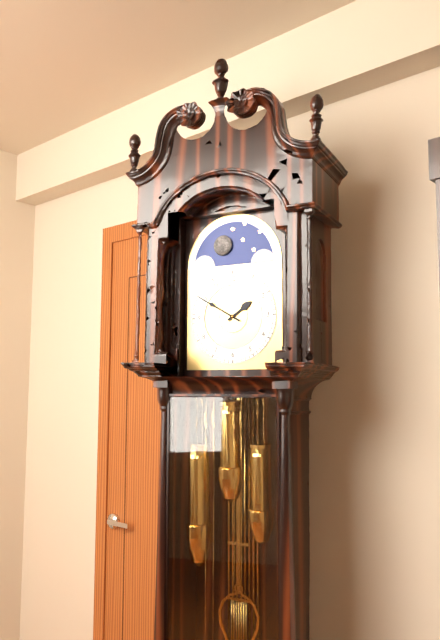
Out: 1h50
